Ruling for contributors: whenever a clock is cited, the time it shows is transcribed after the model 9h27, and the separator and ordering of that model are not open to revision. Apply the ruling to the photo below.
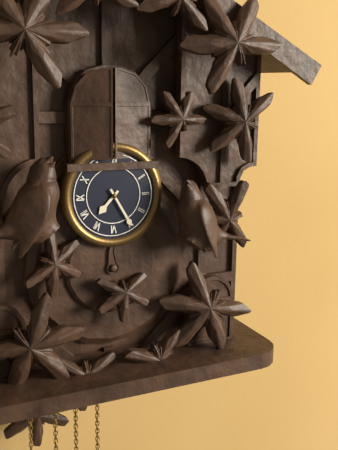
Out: 7h25
